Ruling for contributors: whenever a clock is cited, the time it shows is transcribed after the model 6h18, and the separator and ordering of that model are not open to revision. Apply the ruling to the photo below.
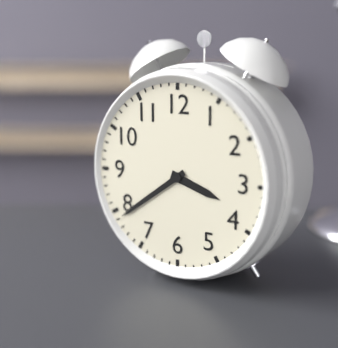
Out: 3h39
